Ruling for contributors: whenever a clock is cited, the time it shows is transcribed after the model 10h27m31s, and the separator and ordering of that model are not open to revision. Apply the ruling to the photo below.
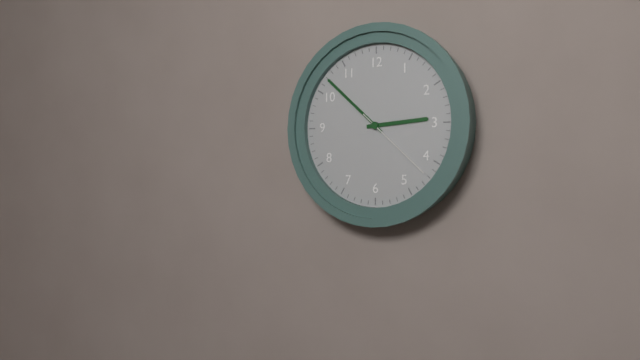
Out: 2h52m22s
